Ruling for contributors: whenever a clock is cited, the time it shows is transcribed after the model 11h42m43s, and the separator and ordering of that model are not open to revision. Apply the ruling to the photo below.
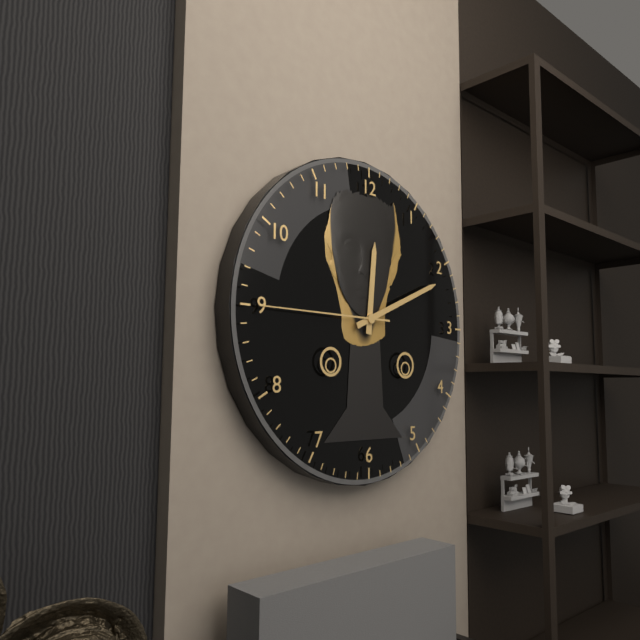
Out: 12h11m45s
